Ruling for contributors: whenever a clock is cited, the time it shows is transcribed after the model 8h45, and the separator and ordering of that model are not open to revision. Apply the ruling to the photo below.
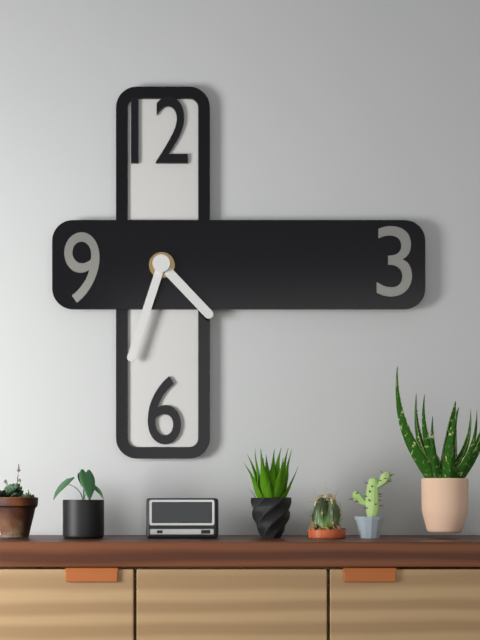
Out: 4h33
